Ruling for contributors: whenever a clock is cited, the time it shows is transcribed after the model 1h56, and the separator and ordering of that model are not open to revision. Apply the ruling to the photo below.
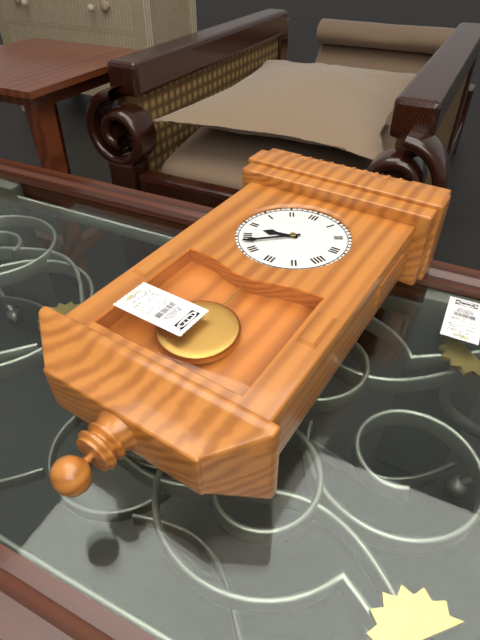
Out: 8h38
